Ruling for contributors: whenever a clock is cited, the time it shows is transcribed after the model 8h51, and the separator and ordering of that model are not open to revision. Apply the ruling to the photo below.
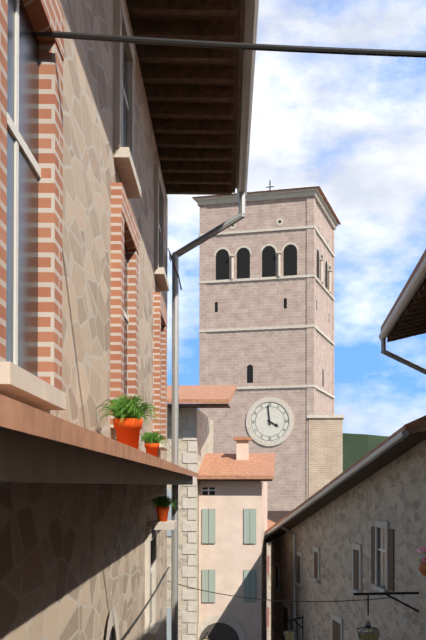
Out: 3h59
